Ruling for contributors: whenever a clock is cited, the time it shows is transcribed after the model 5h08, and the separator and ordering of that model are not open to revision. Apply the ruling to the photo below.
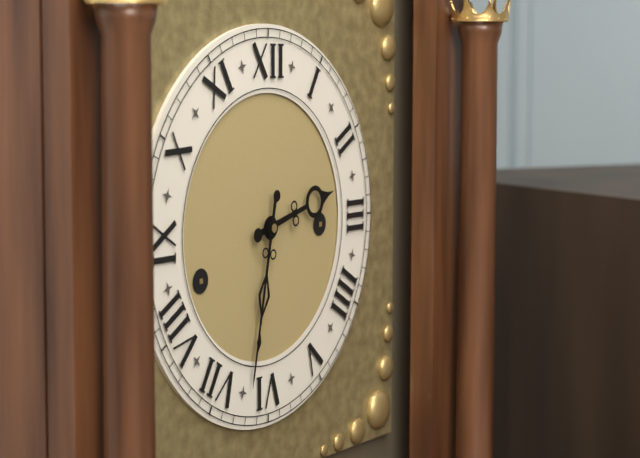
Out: 2h32
